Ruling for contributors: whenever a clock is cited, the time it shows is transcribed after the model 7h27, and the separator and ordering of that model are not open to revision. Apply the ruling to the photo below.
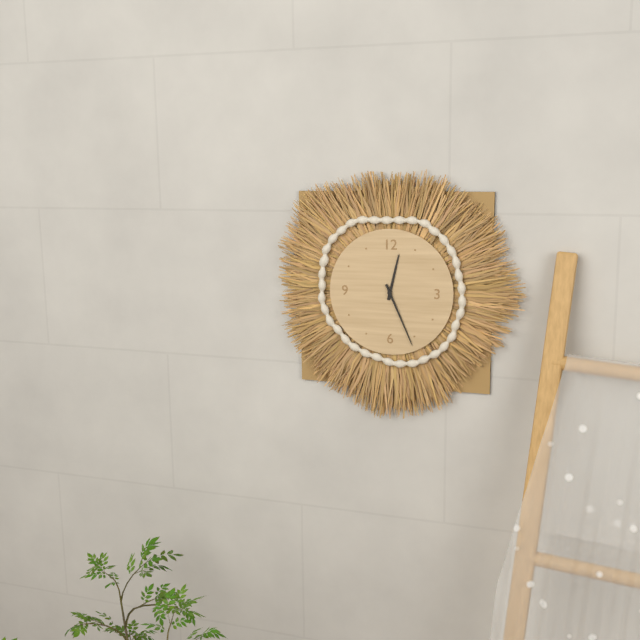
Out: 12h26
